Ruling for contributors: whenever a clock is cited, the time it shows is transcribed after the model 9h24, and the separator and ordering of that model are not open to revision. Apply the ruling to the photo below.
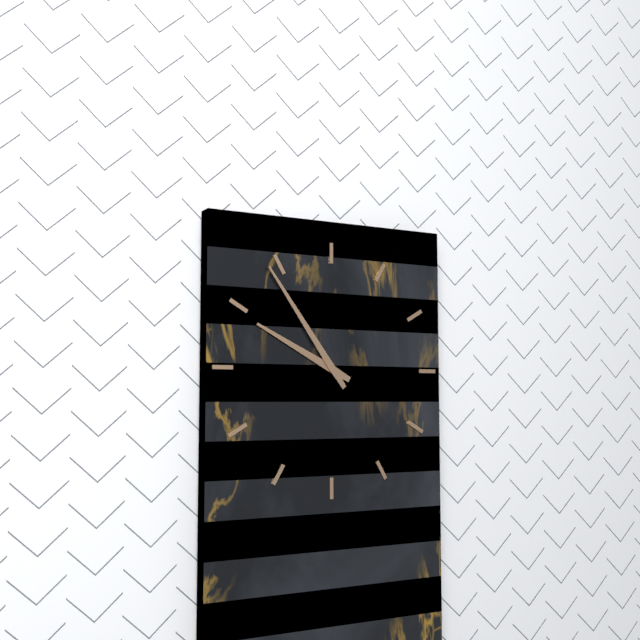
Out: 9h54
